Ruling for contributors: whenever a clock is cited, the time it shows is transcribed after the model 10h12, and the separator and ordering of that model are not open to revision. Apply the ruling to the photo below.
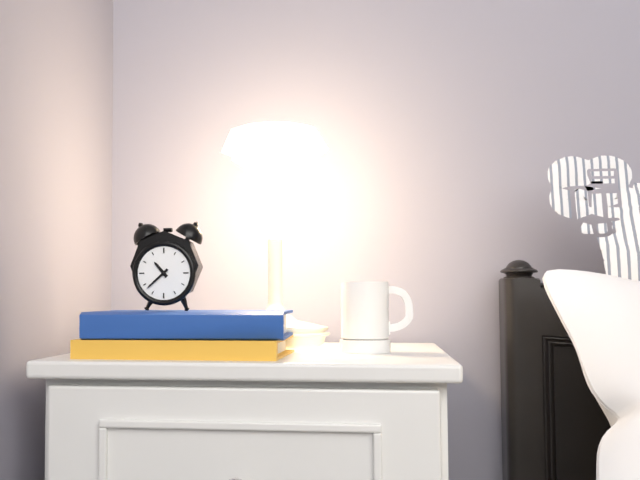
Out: 10h38
